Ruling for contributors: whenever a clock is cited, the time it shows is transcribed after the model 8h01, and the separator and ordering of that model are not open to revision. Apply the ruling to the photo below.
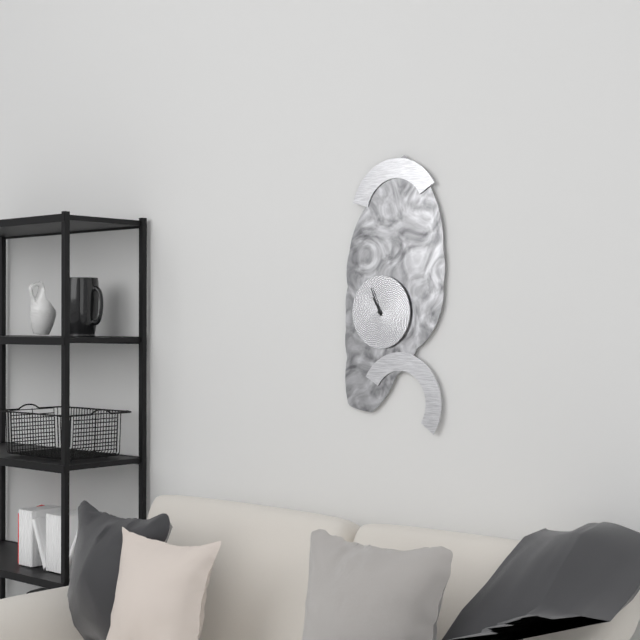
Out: 10h56
